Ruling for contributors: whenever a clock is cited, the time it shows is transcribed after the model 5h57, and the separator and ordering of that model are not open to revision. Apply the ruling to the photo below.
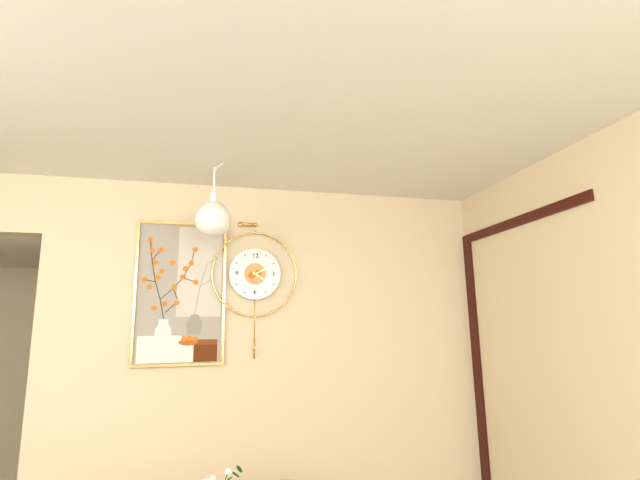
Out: 4h11
